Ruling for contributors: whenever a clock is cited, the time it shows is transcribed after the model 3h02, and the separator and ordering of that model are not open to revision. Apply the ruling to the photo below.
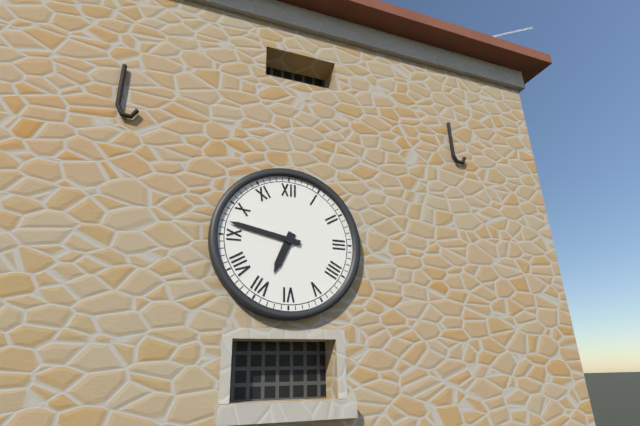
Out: 6h47
